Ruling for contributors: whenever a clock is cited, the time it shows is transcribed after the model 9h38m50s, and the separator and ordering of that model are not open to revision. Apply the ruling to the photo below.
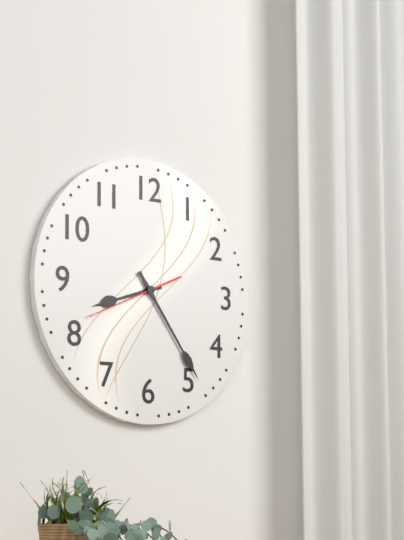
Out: 8h24m41s
